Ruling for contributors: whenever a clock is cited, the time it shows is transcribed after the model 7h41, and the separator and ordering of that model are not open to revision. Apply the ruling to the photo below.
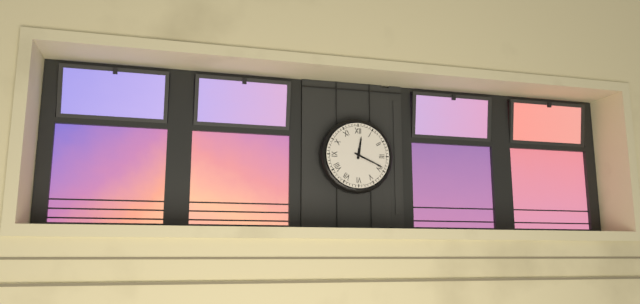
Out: 12h19
